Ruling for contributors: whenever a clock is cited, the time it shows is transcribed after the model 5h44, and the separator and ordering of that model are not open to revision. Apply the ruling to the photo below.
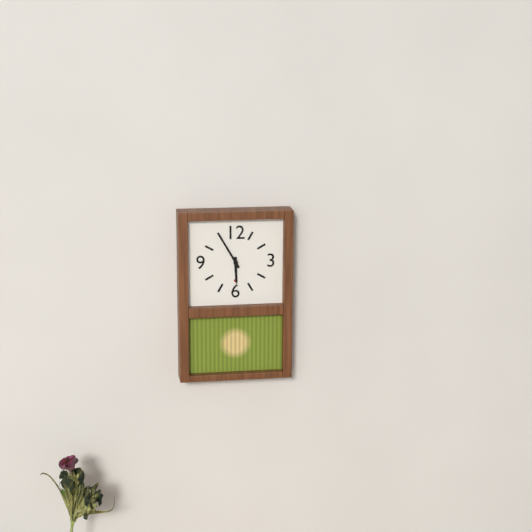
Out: 5h55
